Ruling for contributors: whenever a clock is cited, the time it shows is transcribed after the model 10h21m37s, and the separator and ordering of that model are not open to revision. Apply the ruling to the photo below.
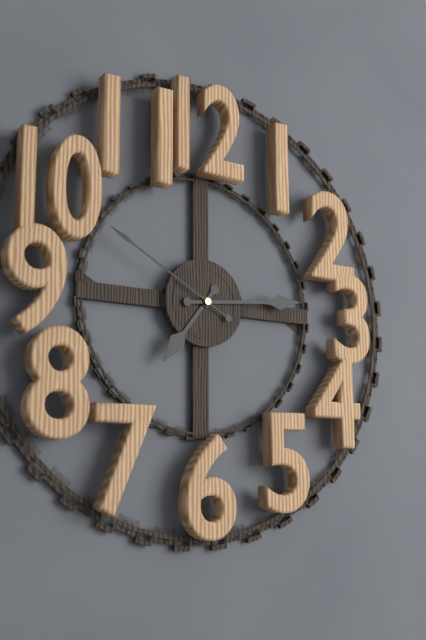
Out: 7h14m50s
